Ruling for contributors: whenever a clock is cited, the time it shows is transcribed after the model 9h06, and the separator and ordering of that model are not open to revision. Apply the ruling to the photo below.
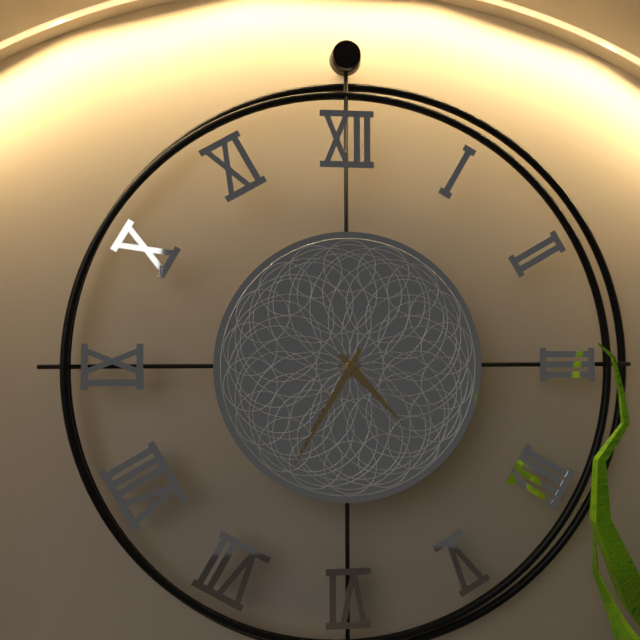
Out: 4h35
